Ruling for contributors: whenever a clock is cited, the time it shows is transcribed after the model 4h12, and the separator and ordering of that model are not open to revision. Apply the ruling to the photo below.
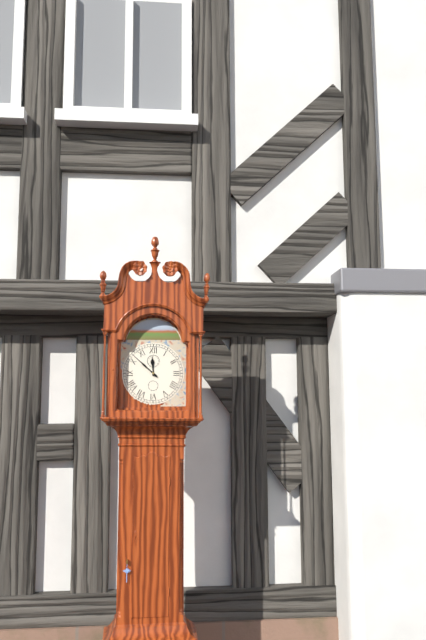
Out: 11h52
